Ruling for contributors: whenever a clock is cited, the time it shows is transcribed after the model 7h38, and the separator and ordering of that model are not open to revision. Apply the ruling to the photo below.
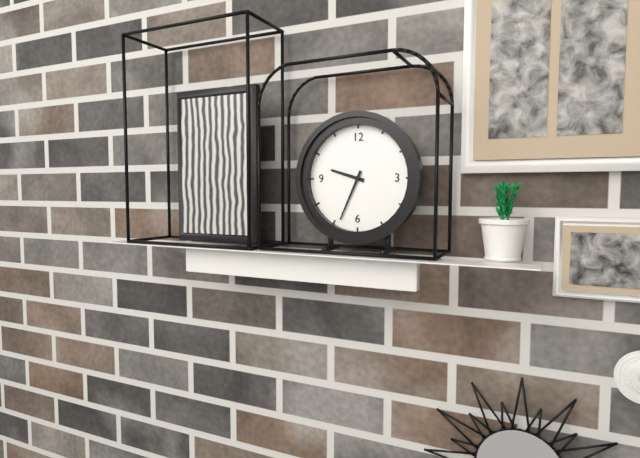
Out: 9h34
